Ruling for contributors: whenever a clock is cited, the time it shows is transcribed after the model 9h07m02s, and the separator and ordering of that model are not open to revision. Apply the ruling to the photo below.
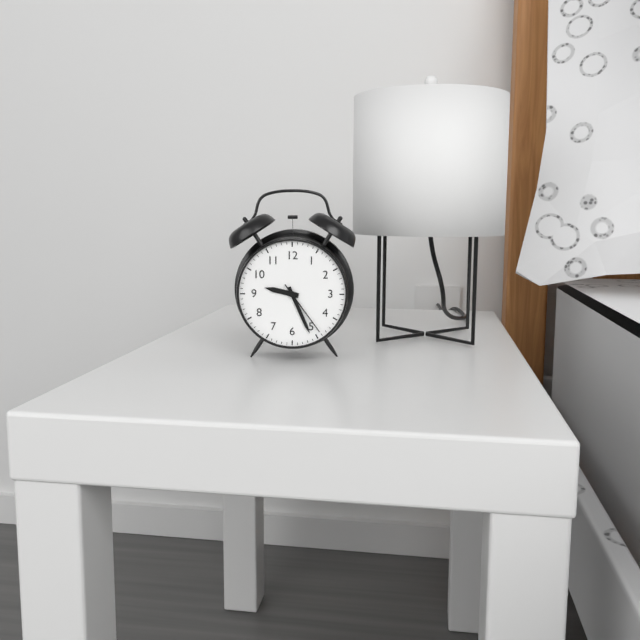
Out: 9h26m24s
